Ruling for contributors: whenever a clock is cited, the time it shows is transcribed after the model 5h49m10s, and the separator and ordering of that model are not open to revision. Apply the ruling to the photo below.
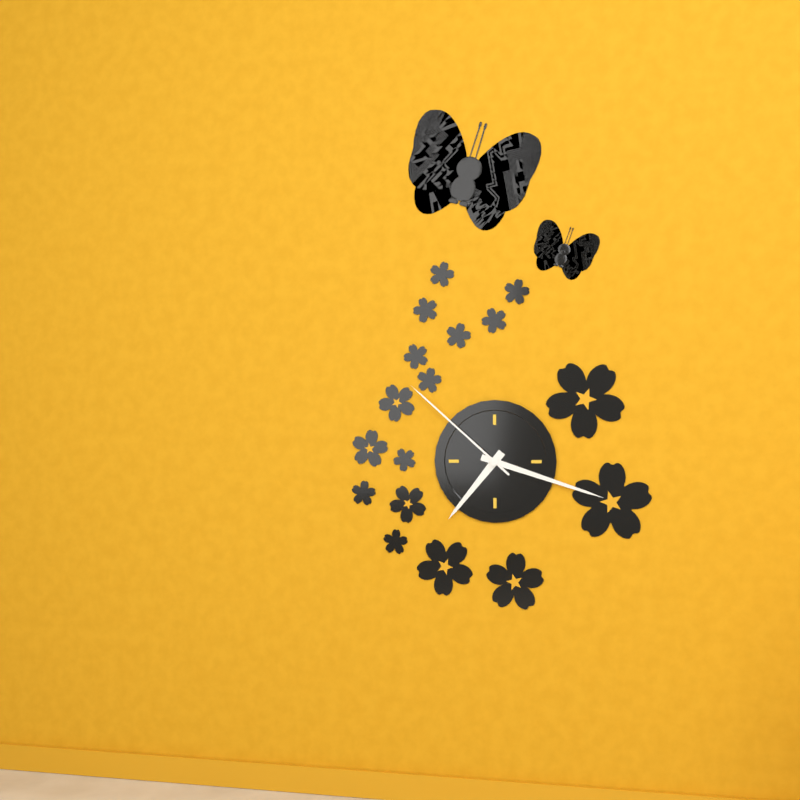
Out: 7h18m52s
